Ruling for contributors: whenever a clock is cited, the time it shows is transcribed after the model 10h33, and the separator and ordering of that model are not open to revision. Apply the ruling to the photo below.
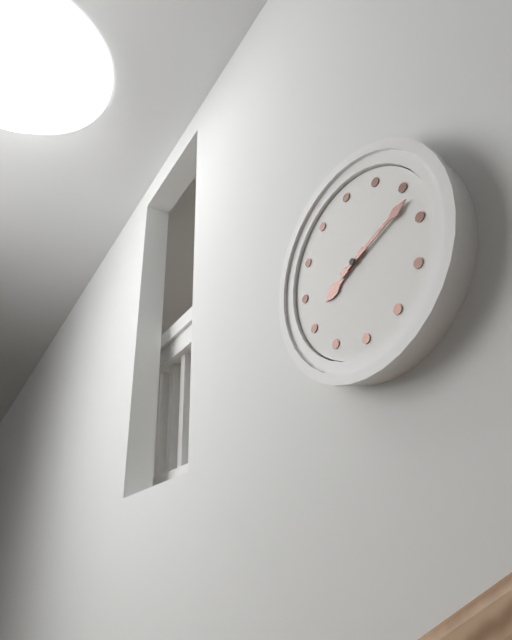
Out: 8h12
